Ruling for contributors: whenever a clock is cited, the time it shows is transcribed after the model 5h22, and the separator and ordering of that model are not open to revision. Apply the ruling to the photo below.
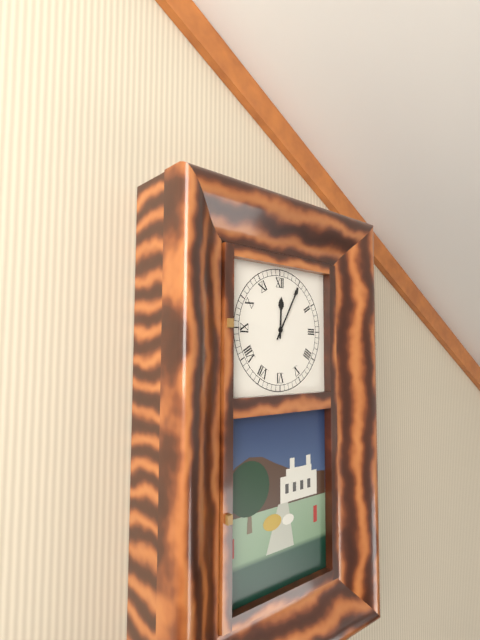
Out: 12h05
